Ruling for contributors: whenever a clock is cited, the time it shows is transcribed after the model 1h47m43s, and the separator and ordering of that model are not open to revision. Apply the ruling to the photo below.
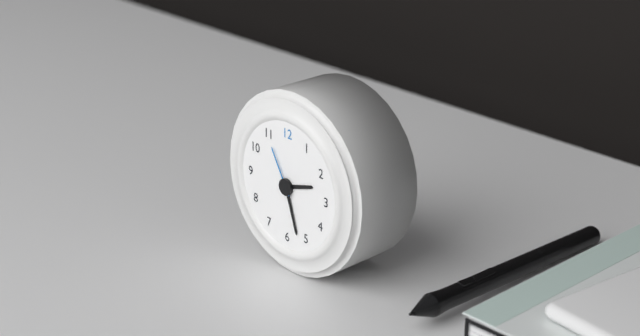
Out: 2h27m55s
